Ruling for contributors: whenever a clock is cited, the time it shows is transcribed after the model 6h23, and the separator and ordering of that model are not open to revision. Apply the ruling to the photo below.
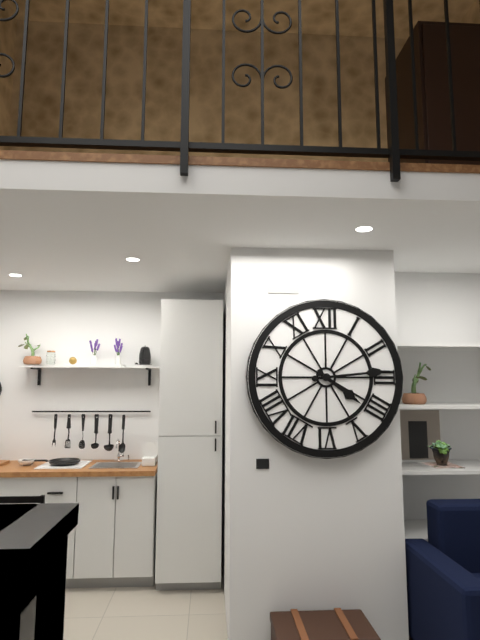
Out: 4h14
